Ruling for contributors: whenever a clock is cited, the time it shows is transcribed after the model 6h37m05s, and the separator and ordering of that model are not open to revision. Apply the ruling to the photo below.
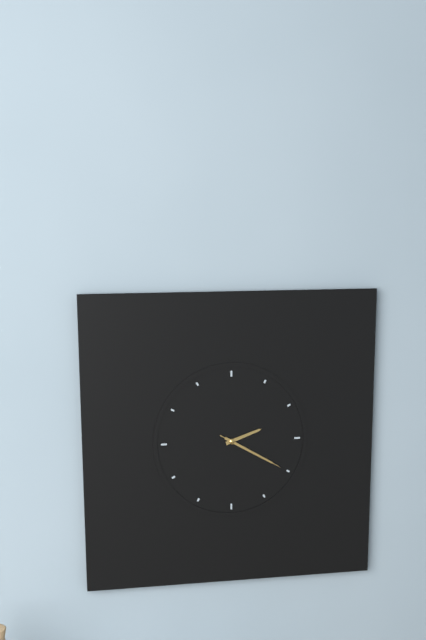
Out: 2h20m20s
